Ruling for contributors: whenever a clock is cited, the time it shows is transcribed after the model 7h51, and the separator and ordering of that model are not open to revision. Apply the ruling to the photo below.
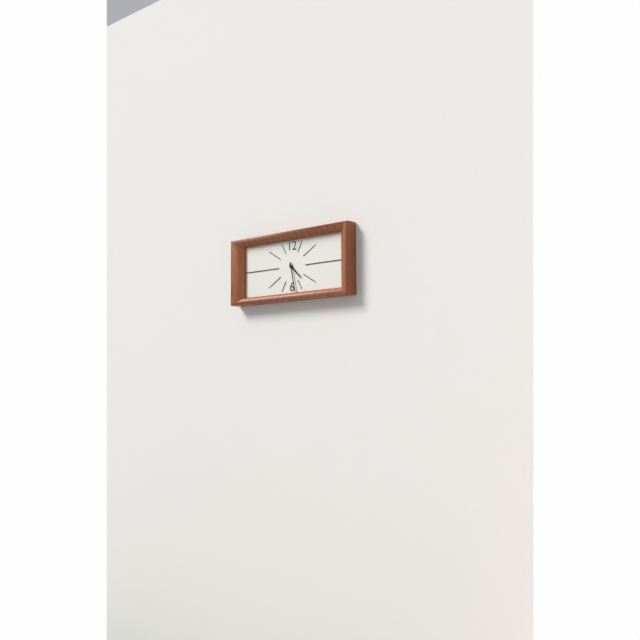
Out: 4h28
